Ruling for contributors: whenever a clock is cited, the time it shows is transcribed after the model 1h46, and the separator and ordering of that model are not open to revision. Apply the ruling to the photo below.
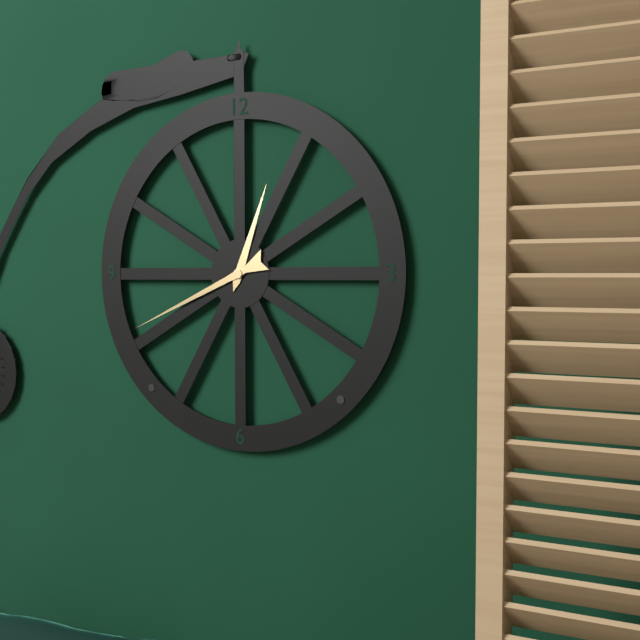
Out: 12h41
